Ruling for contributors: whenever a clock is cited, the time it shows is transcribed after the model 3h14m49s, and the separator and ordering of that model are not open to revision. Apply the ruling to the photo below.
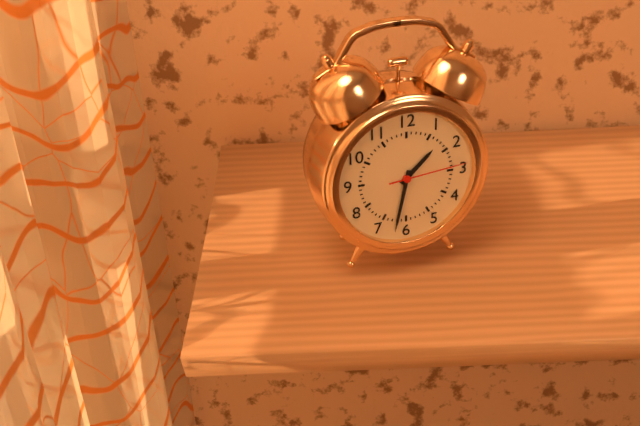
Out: 1h32m14s
